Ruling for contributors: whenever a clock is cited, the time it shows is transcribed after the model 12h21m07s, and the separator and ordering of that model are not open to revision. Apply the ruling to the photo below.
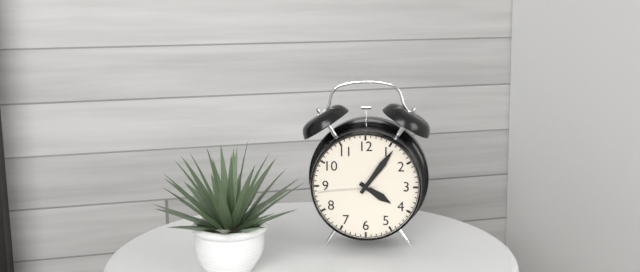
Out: 4h06m44s
